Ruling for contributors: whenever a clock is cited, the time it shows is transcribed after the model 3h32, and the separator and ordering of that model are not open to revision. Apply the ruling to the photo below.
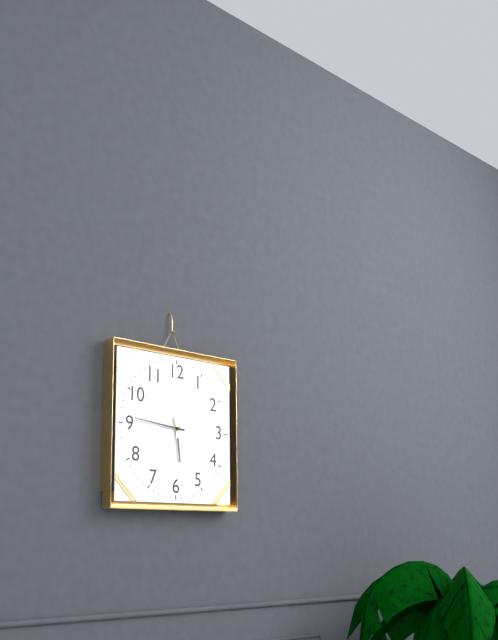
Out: 5h46
